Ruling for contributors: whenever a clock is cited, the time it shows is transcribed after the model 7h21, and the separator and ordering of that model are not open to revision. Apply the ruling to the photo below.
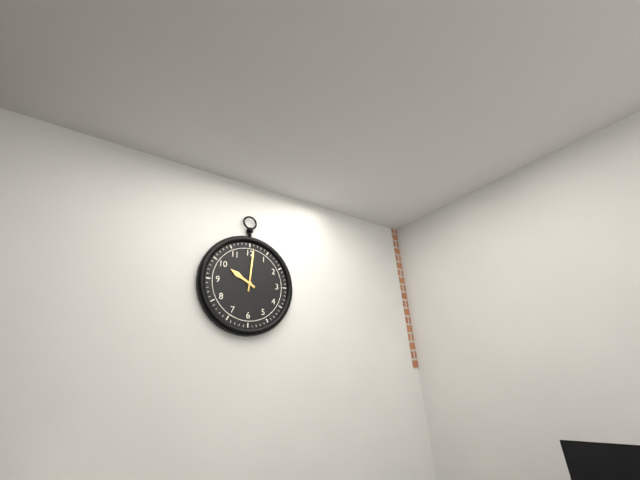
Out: 10h01
